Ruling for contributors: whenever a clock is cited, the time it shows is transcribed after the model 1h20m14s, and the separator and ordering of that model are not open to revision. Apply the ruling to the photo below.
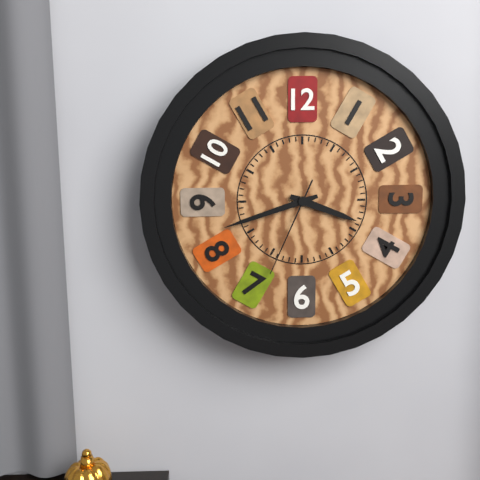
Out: 3h42m34s
